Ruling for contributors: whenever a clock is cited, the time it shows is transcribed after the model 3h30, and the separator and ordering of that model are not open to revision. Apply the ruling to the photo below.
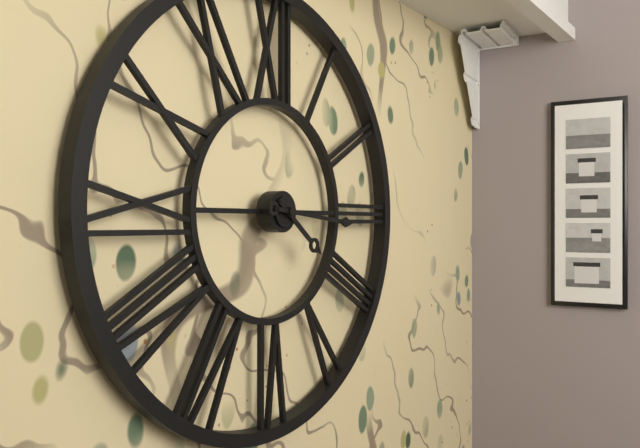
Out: 4h16
